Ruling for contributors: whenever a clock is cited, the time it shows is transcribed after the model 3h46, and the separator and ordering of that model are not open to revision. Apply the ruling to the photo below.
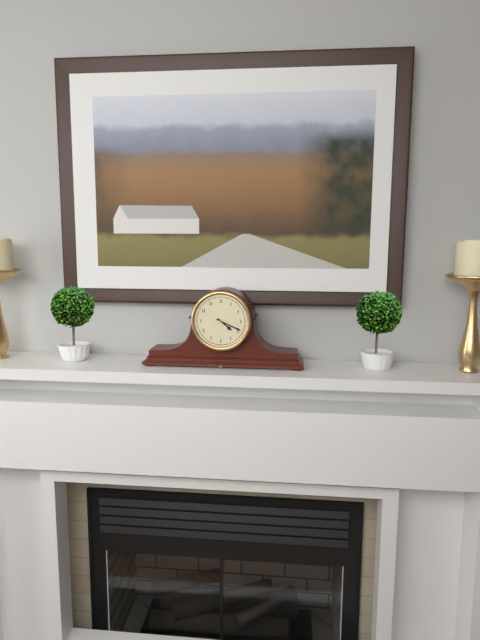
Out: 4h19
